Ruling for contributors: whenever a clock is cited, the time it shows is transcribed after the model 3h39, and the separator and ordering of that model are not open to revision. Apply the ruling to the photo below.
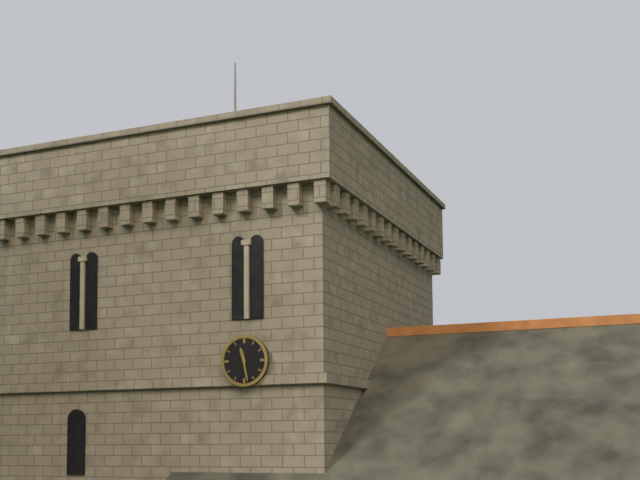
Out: 11h28
